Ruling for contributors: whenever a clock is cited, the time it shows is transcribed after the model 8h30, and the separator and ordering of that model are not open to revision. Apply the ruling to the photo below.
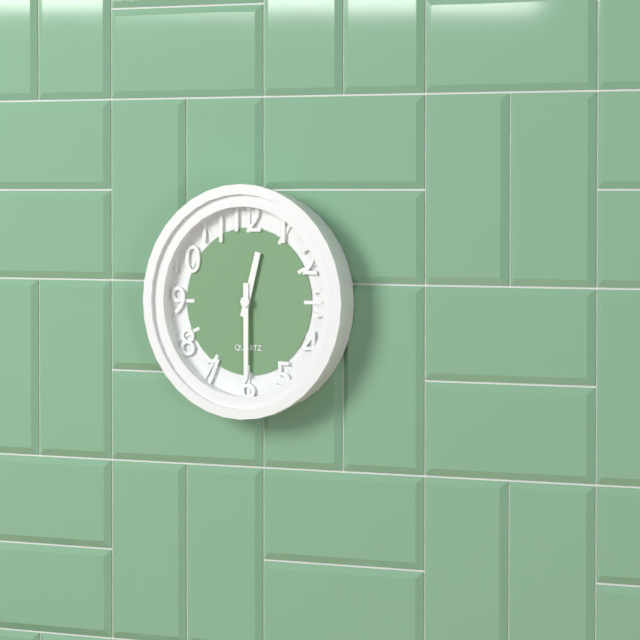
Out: 12h30
